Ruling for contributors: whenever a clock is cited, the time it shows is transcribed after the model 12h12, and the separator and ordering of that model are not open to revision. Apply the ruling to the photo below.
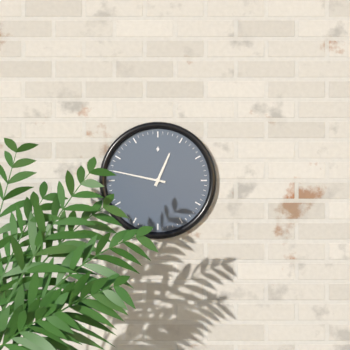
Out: 12h47
